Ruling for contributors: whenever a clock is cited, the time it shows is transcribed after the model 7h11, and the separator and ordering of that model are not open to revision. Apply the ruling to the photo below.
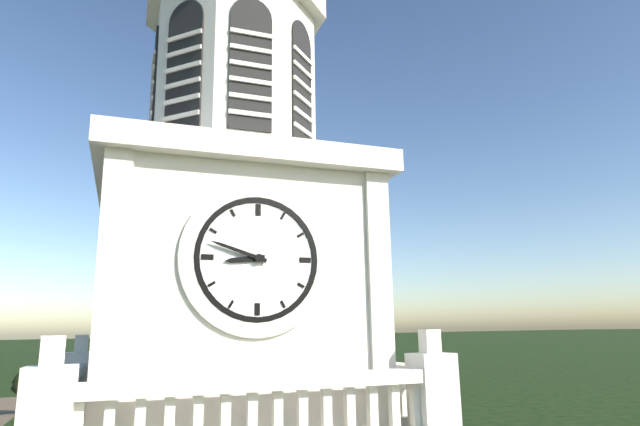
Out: 8h48
